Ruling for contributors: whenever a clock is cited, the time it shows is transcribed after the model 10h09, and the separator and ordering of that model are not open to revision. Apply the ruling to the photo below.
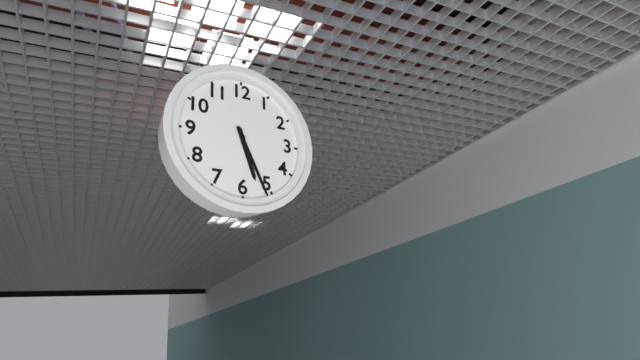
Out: 5h26
